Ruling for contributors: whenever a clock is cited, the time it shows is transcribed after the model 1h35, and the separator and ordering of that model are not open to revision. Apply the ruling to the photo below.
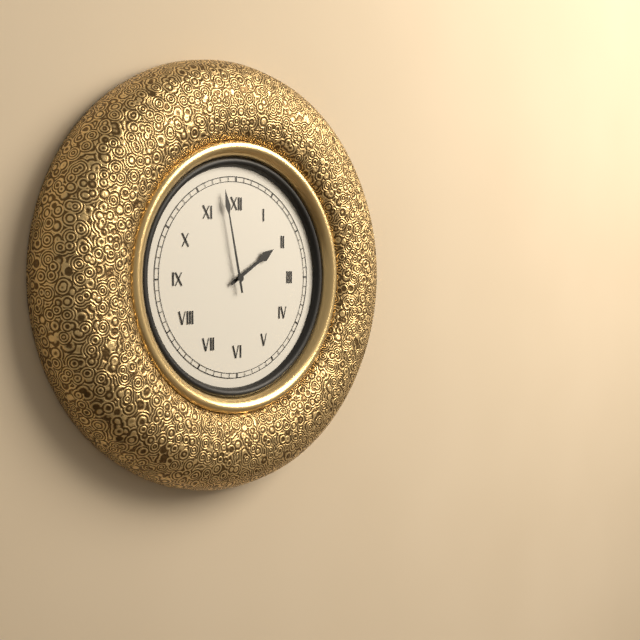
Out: 1h58
